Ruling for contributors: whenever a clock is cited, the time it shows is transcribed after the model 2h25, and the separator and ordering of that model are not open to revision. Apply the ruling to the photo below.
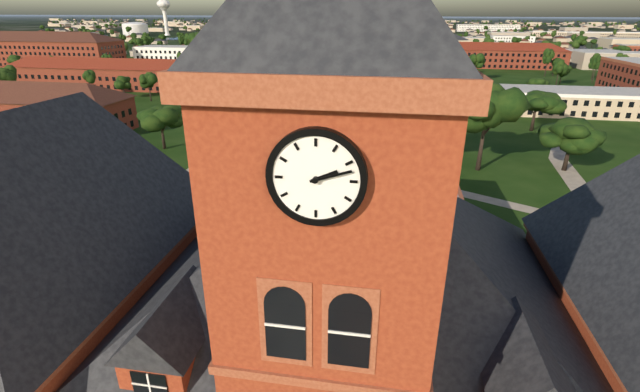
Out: 2h12
